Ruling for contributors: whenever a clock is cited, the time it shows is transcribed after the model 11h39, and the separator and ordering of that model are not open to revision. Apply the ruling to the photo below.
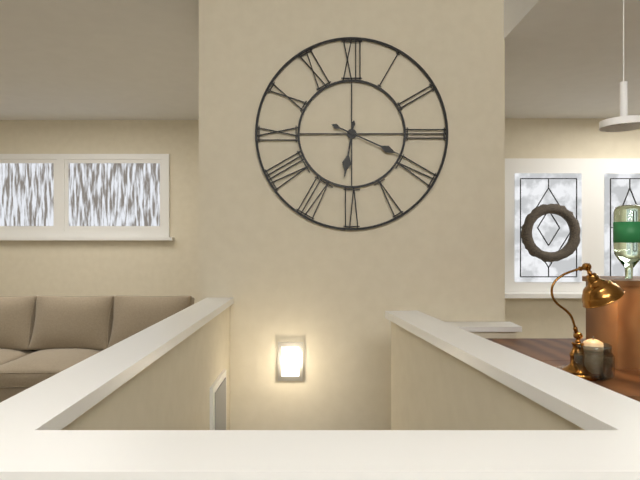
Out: 6h19
